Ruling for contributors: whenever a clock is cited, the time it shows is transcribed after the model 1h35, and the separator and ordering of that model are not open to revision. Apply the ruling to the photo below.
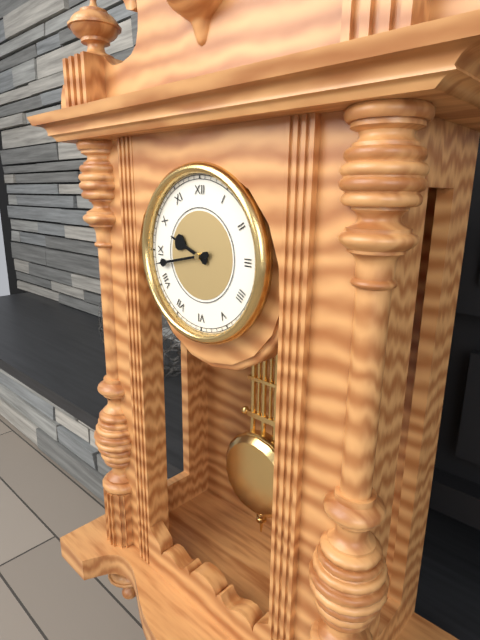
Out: 9h43
